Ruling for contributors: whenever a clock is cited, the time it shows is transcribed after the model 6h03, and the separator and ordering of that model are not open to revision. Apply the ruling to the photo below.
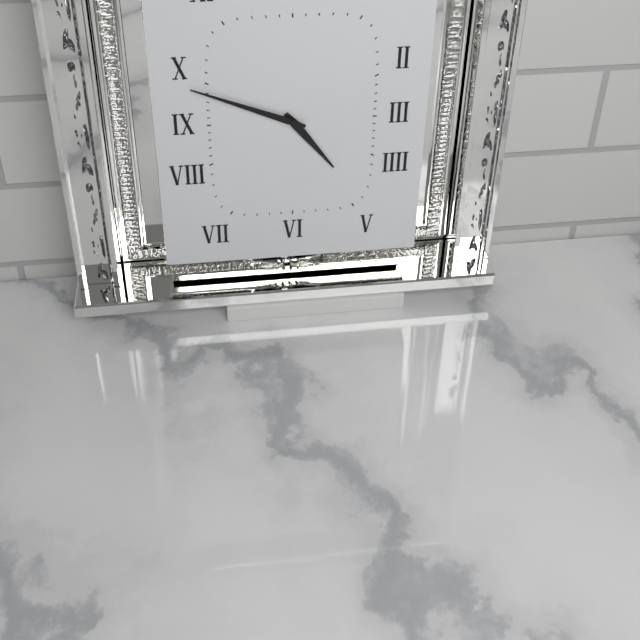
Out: 4h49
